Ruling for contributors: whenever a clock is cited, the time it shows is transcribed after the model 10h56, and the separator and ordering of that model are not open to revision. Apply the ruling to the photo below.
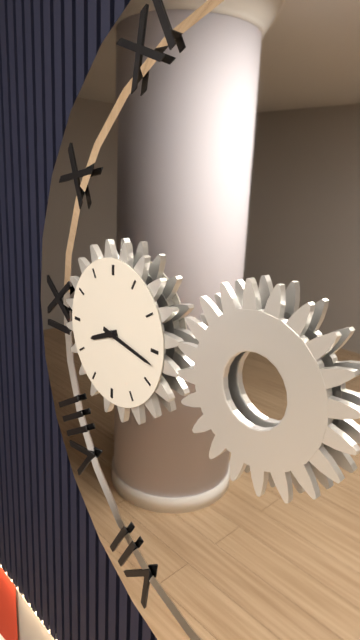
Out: 8h17
